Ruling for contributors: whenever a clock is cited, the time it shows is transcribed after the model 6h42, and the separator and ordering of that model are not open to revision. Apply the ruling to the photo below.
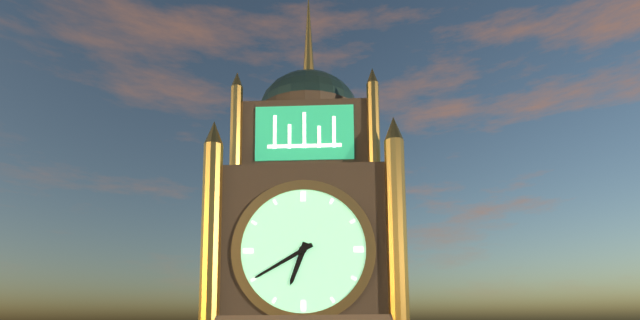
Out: 6h40
